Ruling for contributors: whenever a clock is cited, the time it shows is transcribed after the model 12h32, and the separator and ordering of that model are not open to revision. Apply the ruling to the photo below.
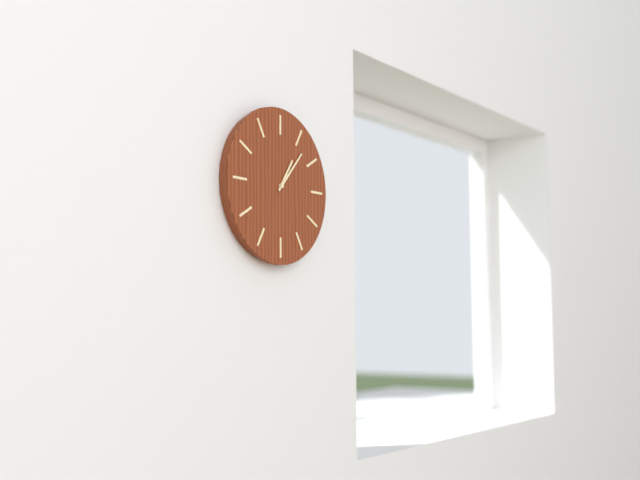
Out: 1h07
